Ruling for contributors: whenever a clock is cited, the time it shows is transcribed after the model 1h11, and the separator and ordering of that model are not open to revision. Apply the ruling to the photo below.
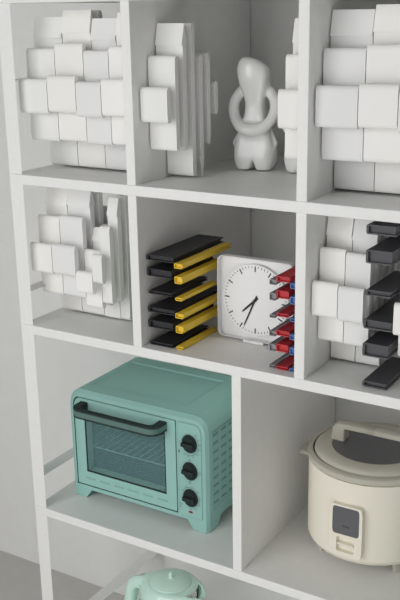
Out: 7h34
